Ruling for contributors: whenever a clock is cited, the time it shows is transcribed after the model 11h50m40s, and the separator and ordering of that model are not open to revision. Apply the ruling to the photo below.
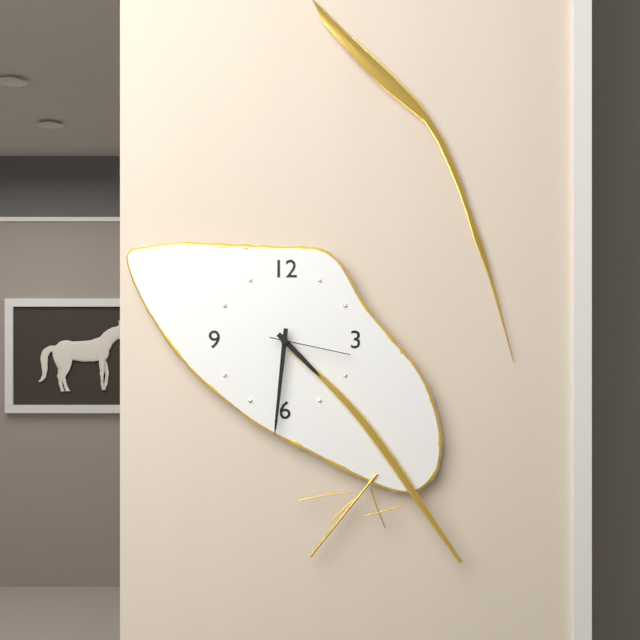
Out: 4h31m17s
